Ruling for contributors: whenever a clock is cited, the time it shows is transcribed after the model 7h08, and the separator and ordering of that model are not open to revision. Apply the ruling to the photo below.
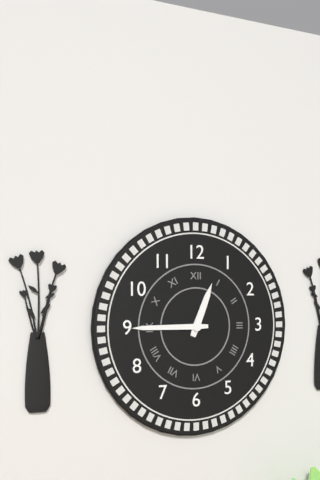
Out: 12h45
